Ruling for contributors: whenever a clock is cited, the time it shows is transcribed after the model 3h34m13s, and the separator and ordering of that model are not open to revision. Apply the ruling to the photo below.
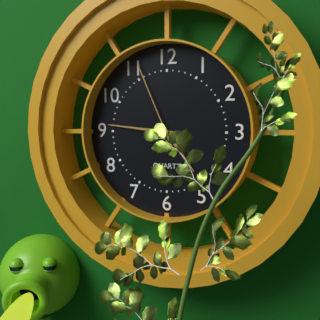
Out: 4h46m56s
